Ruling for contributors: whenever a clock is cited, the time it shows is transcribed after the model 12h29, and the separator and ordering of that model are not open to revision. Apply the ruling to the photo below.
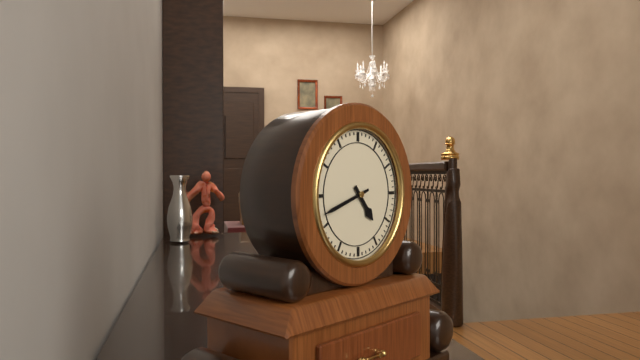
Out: 4h42
